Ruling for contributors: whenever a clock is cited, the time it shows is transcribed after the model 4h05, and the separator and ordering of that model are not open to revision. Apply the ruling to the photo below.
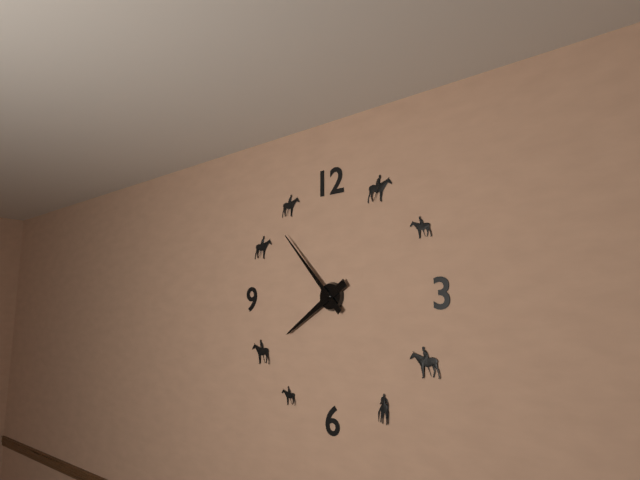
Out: 7h53
